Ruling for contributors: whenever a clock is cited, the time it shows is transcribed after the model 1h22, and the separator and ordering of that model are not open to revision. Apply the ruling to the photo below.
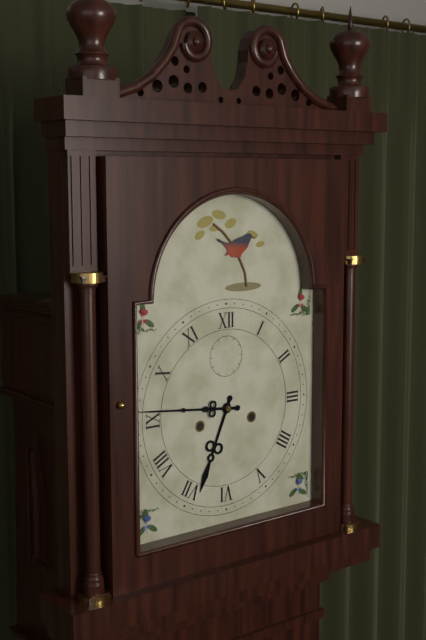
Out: 6h46
